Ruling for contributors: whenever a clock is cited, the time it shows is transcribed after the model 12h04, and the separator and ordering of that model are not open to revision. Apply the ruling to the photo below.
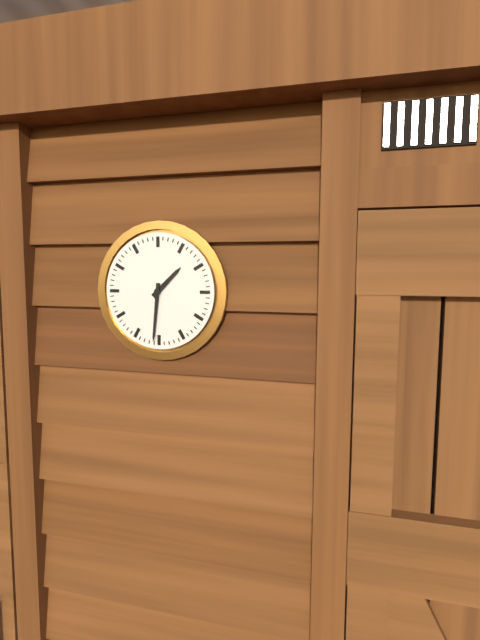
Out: 1h31
